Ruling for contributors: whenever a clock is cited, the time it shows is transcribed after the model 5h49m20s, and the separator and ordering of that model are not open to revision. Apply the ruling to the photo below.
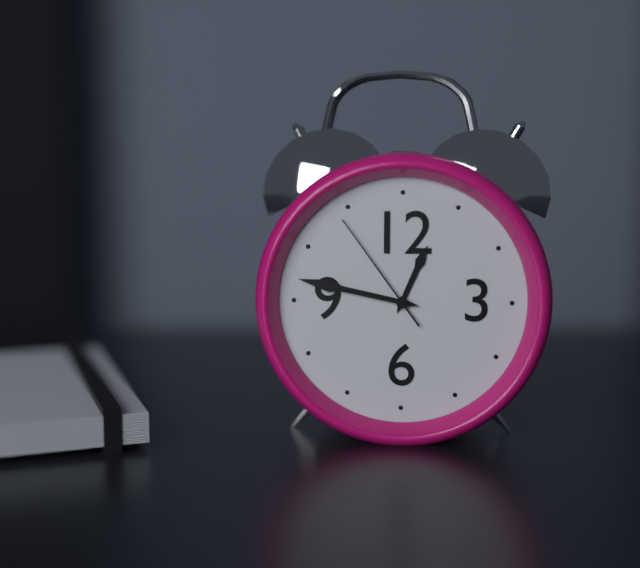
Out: 12h47m54s
